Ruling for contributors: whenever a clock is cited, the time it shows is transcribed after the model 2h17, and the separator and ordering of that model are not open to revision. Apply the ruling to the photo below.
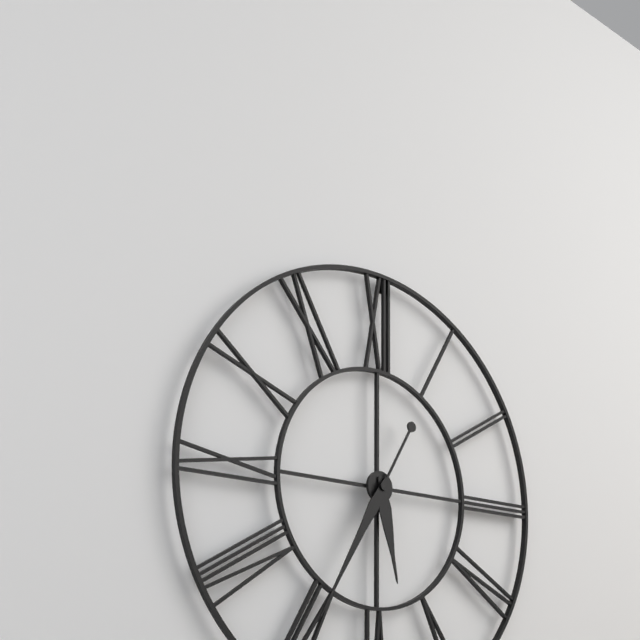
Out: 5h35
